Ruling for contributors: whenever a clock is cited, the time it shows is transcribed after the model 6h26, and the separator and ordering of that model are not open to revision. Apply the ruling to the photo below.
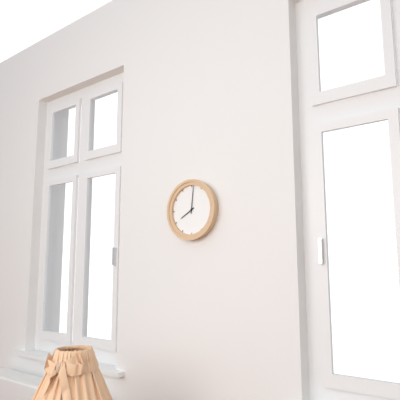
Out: 8h01
